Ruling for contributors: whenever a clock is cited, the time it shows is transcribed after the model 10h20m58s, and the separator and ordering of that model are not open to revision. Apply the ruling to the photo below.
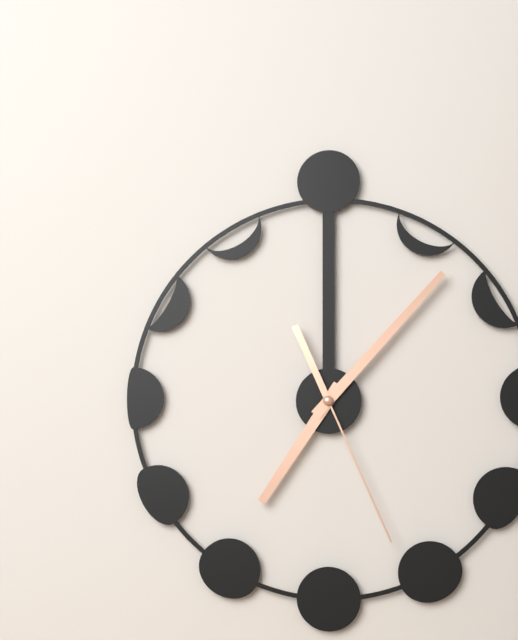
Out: 7h07m26s
